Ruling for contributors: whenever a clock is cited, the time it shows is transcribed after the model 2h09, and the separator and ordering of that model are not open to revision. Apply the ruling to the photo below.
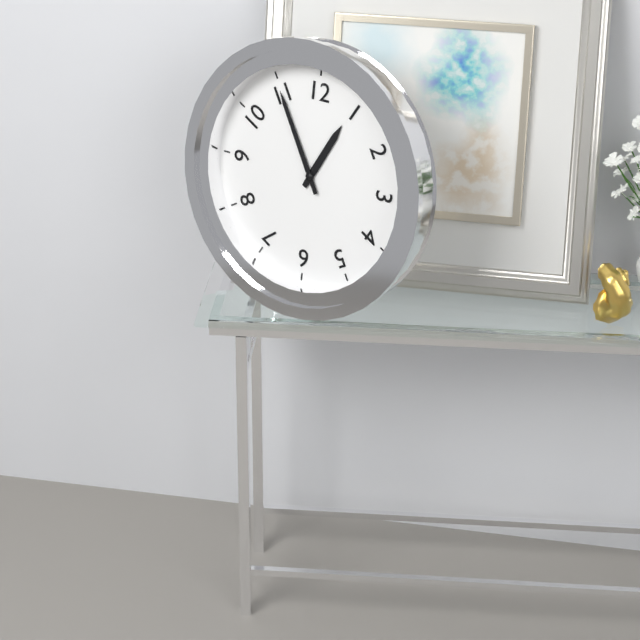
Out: 12h55
